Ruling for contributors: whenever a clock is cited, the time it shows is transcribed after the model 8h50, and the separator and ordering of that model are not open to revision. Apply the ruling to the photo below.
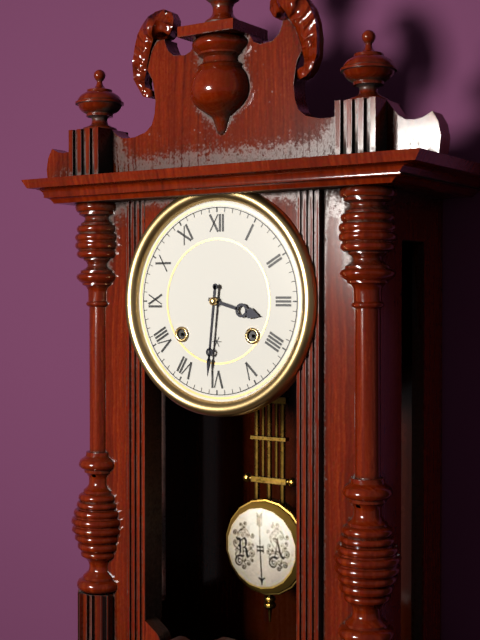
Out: 3h31
